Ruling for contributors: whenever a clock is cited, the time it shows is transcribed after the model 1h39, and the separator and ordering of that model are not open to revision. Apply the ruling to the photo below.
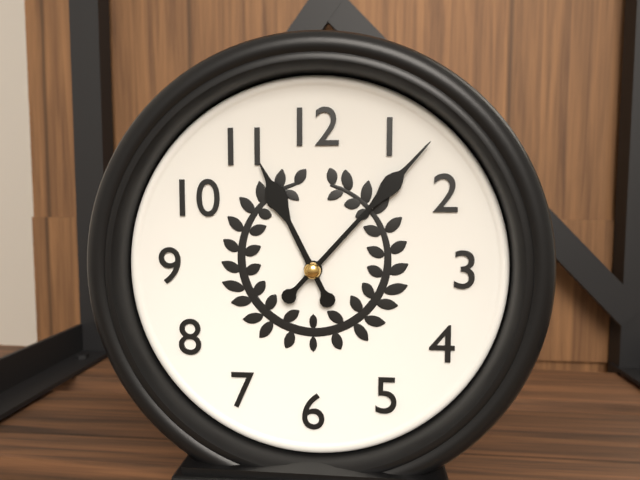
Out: 11h07
